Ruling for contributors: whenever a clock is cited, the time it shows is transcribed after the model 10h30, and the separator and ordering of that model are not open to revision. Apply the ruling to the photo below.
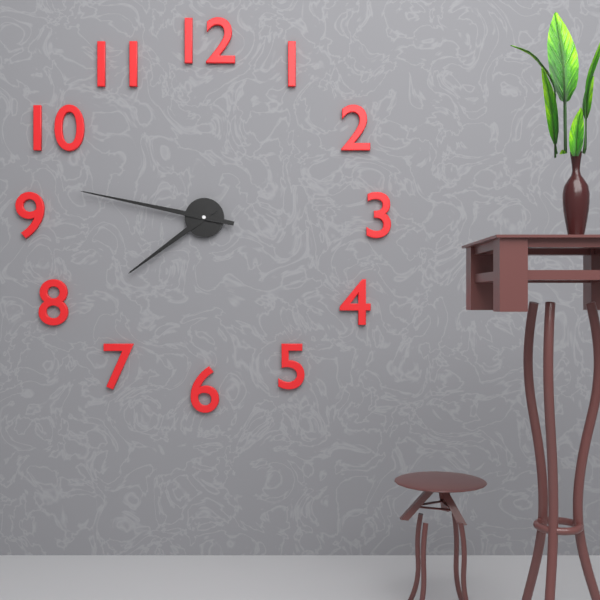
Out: 7h47
